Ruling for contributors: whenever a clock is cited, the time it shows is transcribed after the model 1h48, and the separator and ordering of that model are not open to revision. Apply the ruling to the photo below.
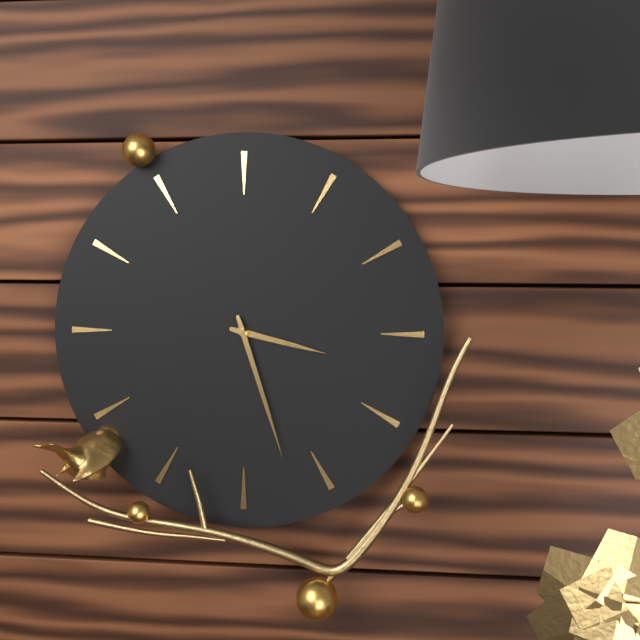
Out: 3h27
